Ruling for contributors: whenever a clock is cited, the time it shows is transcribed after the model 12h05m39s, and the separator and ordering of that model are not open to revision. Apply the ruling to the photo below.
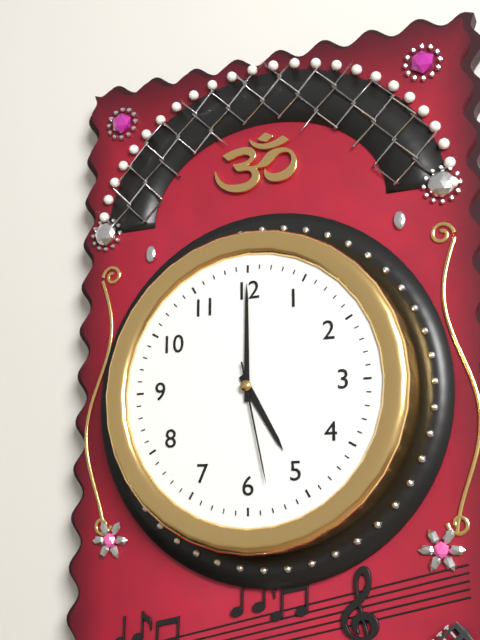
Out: 5h00m28s
